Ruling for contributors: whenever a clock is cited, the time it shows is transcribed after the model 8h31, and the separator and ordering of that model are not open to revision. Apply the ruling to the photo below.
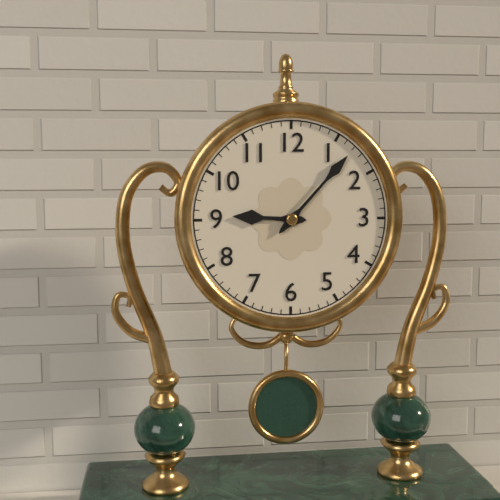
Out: 9h07
